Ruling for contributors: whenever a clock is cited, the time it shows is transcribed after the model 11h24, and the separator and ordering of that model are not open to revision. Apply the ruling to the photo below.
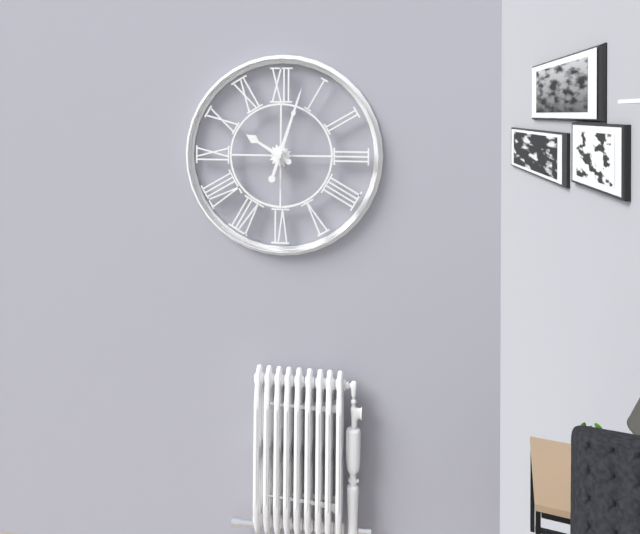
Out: 10h03
